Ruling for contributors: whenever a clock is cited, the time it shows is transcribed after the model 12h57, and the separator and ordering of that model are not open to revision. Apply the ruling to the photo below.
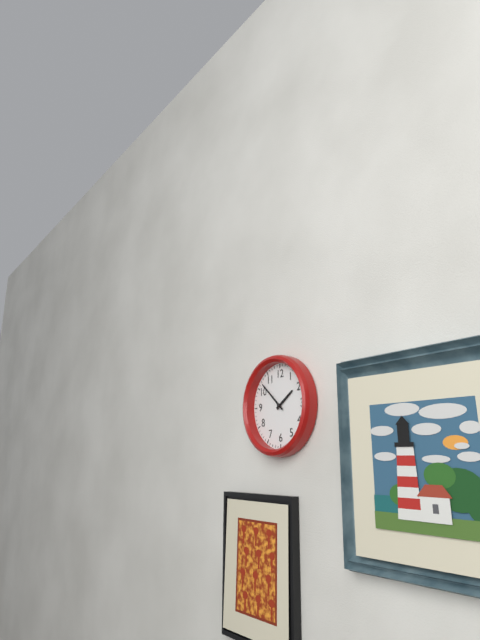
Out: 1h52
